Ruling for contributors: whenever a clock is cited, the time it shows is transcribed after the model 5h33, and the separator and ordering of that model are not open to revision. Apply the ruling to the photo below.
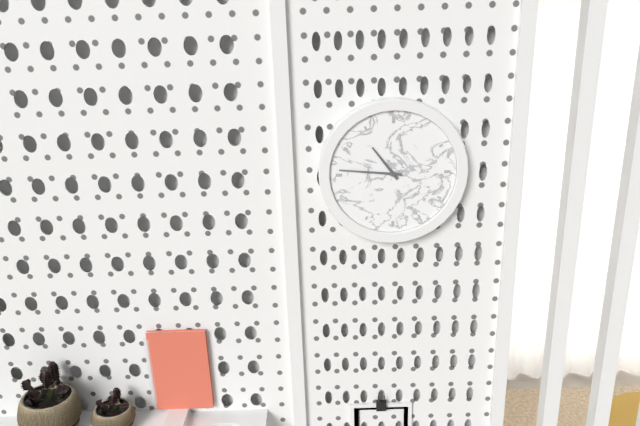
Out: 10h46
